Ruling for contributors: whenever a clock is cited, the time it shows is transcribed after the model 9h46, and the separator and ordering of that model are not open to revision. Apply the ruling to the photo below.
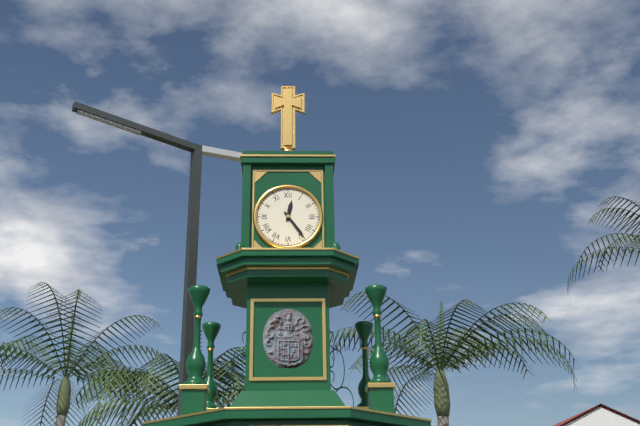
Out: 12h24
